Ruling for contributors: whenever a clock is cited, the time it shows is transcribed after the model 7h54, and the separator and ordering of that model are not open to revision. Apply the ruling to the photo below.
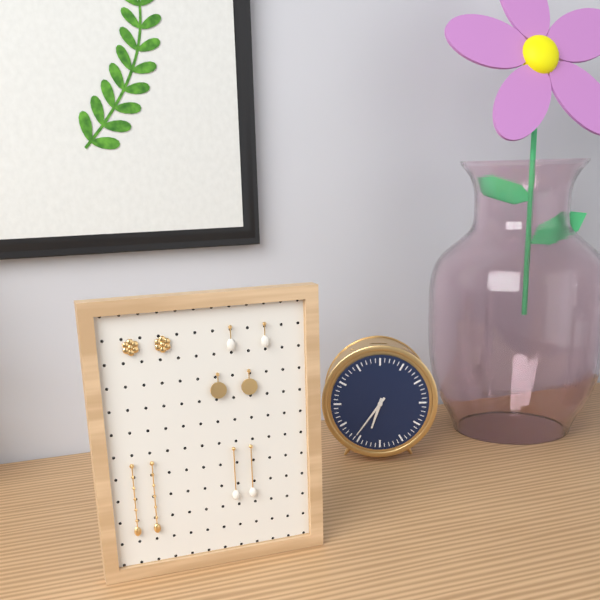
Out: 6h36
